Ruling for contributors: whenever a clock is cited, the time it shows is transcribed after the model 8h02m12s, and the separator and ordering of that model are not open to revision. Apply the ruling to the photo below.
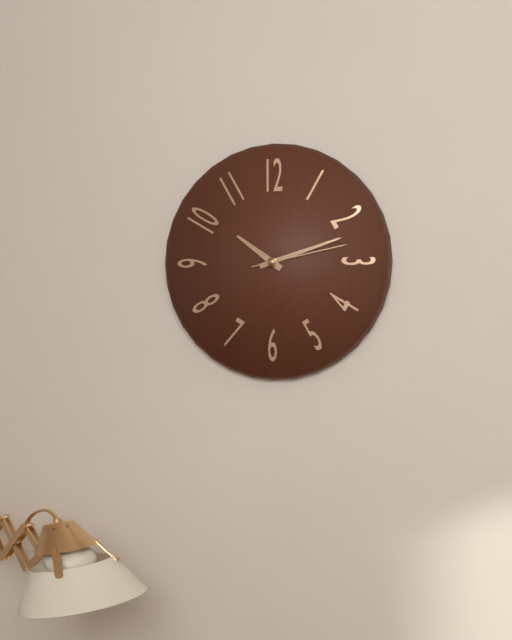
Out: 10h12m13s
